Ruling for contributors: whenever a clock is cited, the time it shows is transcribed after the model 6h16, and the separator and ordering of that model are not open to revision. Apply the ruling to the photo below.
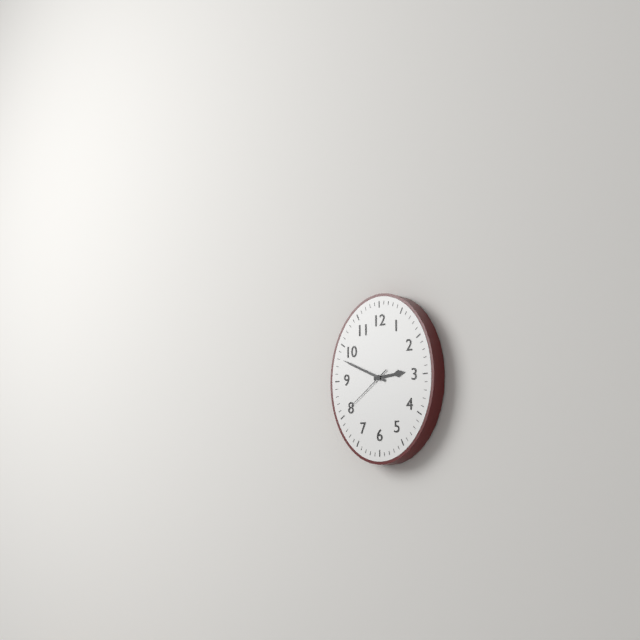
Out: 2h49
